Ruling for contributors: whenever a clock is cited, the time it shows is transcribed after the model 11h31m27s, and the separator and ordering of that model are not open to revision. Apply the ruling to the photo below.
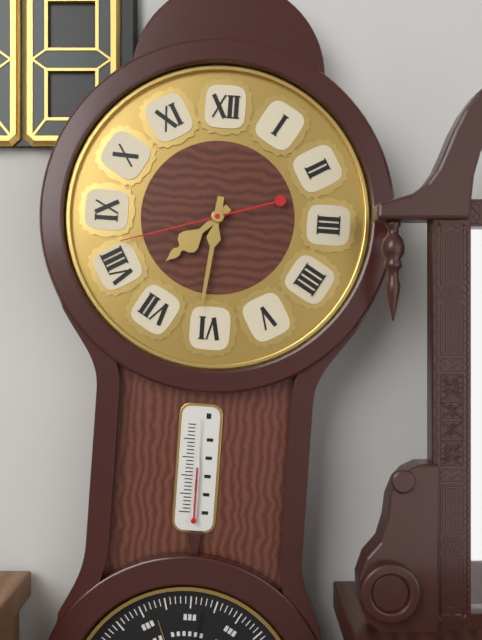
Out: 7h31m42s
